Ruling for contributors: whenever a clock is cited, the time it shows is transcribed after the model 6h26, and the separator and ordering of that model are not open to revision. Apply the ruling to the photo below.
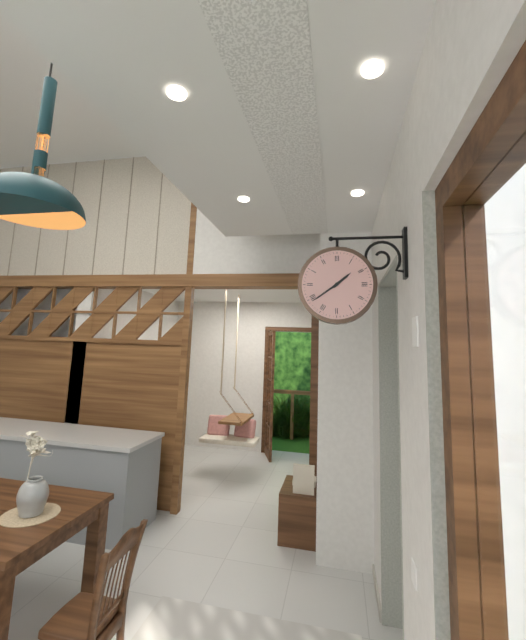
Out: 1h39
